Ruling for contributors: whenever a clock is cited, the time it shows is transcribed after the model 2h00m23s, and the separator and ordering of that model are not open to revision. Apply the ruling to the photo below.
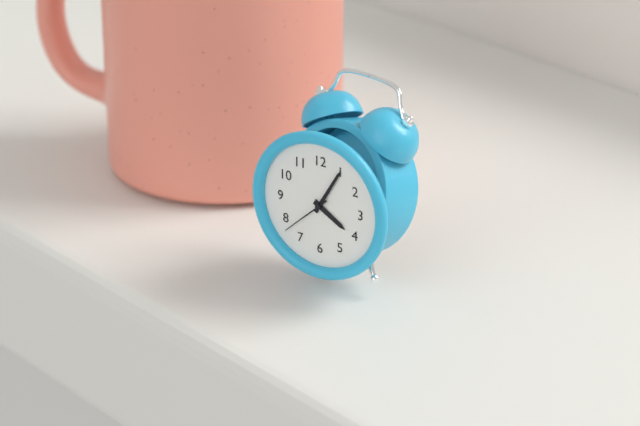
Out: 4h05m38s
